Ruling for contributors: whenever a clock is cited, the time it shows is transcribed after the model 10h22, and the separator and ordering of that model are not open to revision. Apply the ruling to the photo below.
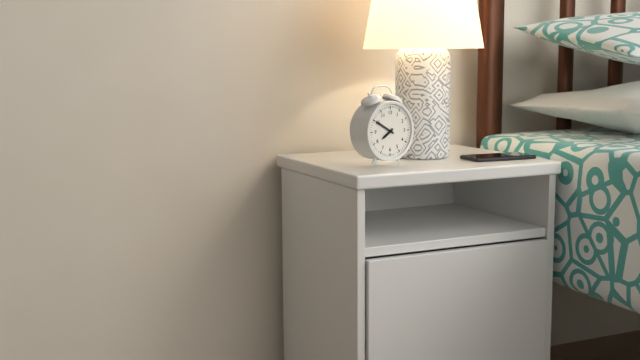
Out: 7h50
